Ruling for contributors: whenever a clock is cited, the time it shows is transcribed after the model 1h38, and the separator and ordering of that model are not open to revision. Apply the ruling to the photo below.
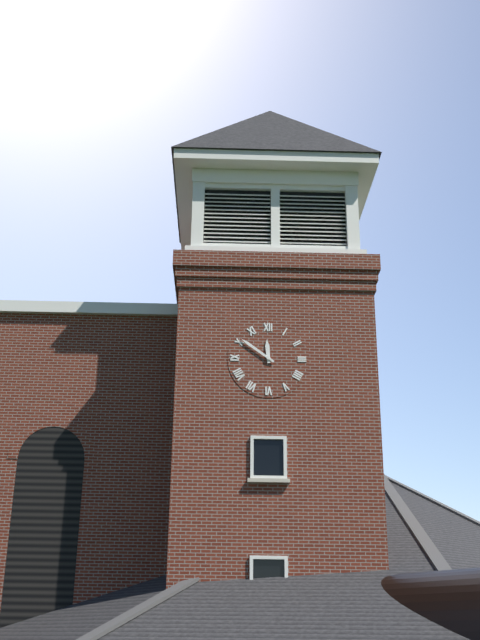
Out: 11h51
